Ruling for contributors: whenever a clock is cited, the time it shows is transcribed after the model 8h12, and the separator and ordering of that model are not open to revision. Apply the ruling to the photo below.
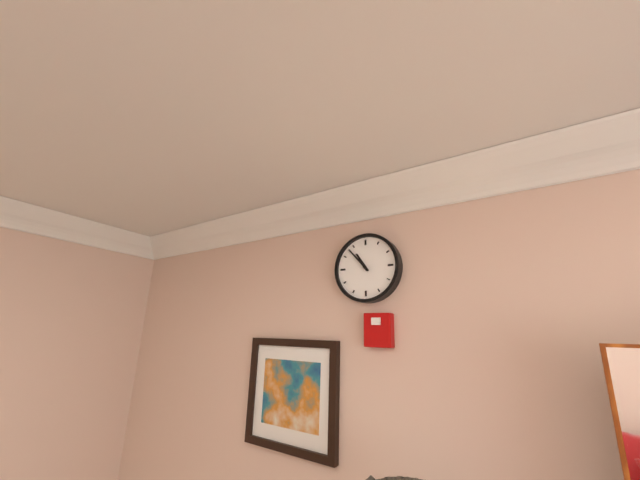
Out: 10h53
